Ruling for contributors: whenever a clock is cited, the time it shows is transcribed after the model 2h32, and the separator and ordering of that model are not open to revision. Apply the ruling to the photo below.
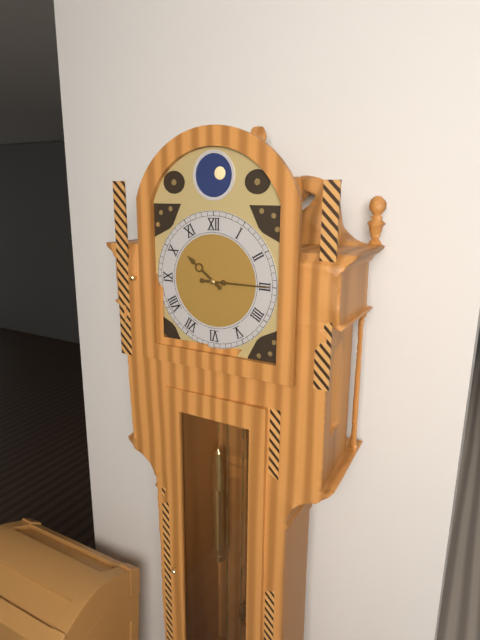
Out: 10h15
